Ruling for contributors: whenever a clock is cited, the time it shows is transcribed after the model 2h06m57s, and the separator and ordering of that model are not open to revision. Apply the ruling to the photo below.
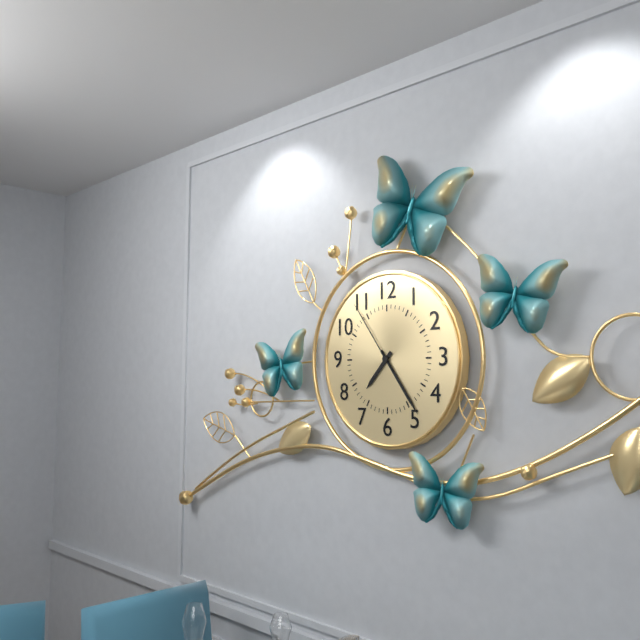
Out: 7h24m54s
